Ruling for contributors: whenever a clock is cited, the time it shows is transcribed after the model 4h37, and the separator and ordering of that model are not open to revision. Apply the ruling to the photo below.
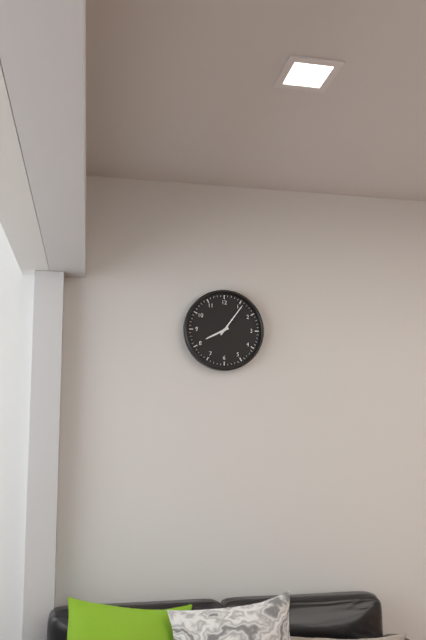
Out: 8h06
